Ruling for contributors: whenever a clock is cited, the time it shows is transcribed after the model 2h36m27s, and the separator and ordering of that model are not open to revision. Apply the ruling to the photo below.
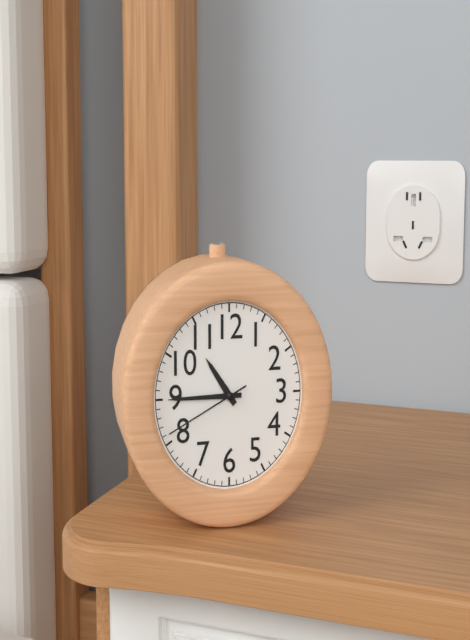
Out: 10h45m41s
